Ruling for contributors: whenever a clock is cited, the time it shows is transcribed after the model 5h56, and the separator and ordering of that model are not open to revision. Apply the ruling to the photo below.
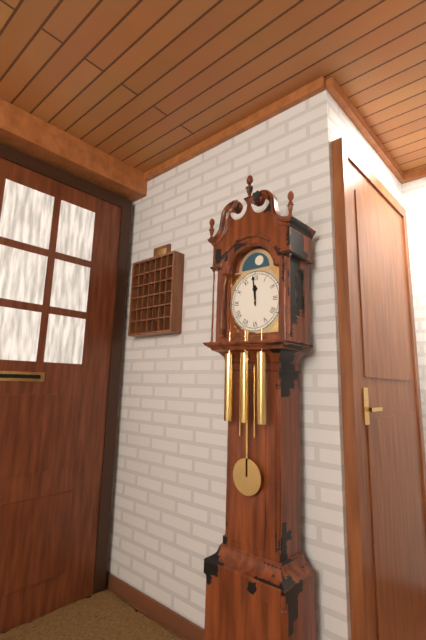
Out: 11h59
